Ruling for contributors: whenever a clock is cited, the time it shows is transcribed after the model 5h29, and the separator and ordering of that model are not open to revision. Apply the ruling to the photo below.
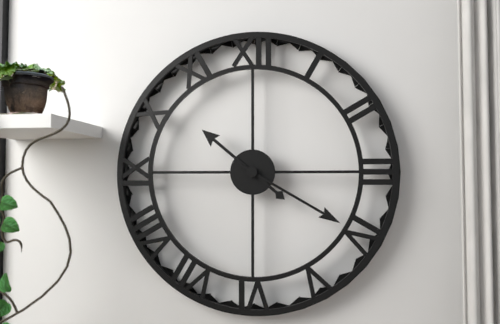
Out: 10h20
